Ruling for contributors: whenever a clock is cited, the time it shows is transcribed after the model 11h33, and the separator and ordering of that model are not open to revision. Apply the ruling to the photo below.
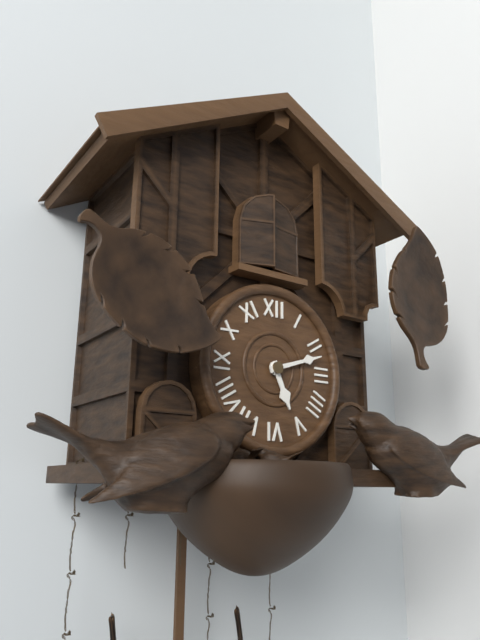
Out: 5h12
